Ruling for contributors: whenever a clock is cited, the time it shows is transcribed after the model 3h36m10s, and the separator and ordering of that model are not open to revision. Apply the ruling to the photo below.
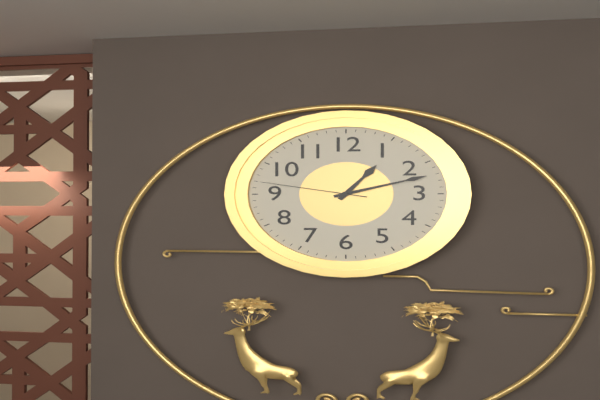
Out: 1h12m47s
